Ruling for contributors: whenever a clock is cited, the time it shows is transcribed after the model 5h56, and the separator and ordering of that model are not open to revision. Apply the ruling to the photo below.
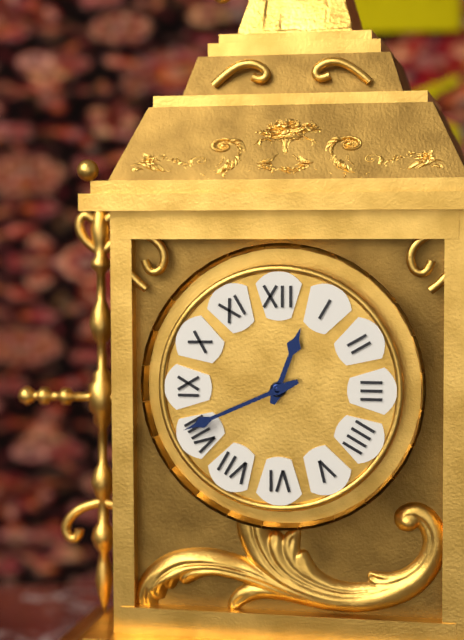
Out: 12h41
